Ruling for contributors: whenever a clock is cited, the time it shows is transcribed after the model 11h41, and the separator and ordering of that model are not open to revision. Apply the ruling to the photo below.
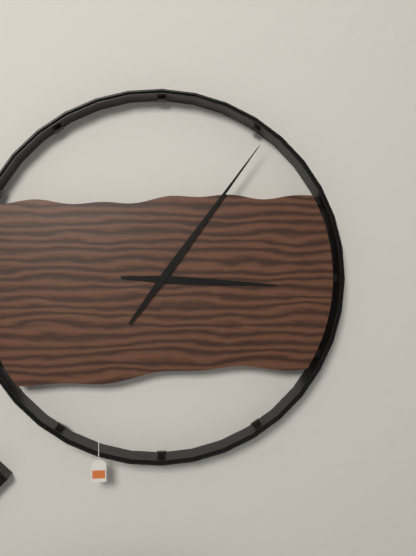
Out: 3h06
